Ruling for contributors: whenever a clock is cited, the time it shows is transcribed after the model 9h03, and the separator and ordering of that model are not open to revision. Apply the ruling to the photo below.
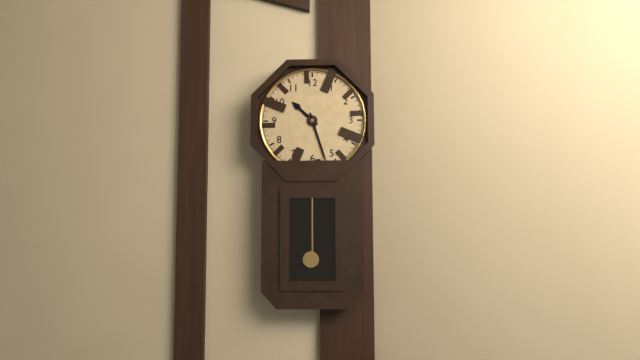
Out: 10h27
